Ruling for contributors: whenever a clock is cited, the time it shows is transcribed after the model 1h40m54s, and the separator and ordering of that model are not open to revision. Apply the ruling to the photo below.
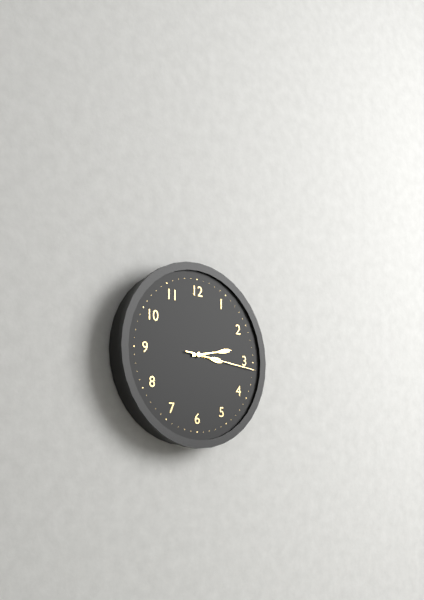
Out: 3h13m16s
